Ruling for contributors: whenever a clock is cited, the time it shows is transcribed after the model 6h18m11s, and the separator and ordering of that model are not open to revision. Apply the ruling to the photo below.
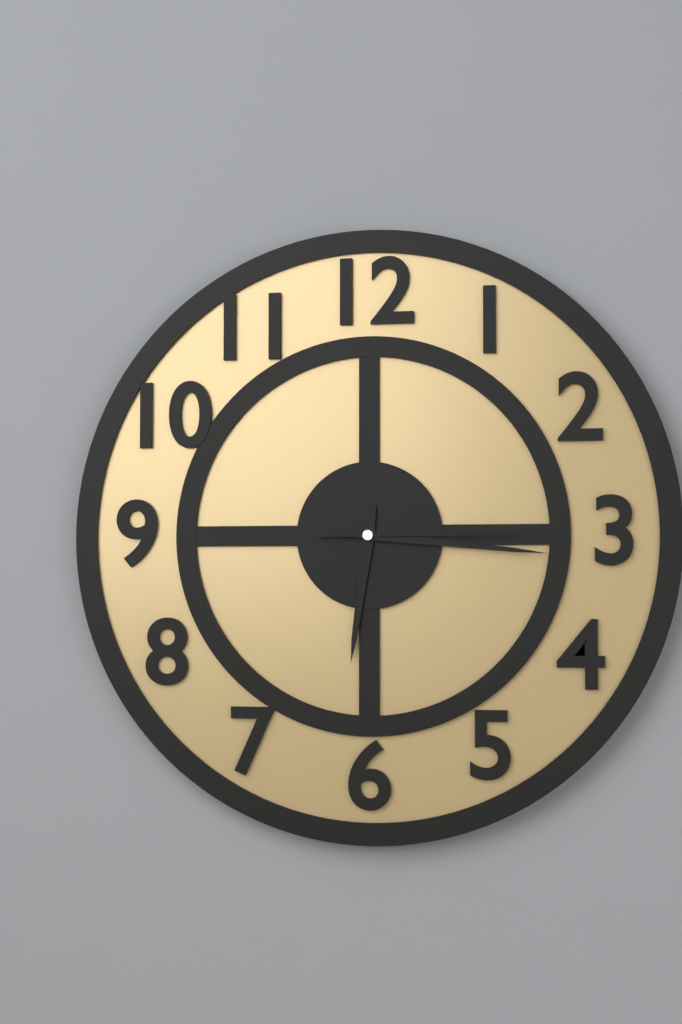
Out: 6h16m15s
